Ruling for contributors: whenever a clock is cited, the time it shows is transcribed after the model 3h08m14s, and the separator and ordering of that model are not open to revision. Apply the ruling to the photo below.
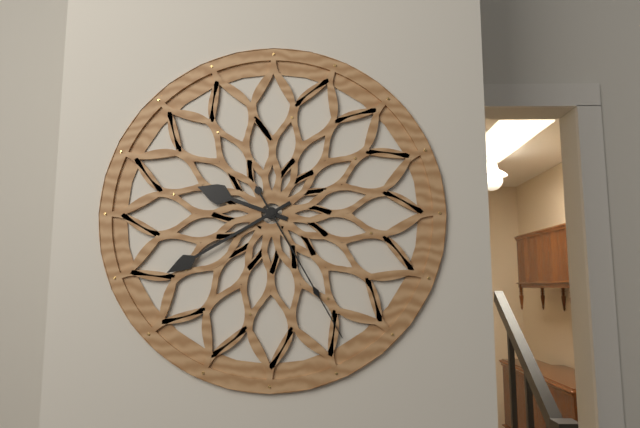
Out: 9h40m25s
